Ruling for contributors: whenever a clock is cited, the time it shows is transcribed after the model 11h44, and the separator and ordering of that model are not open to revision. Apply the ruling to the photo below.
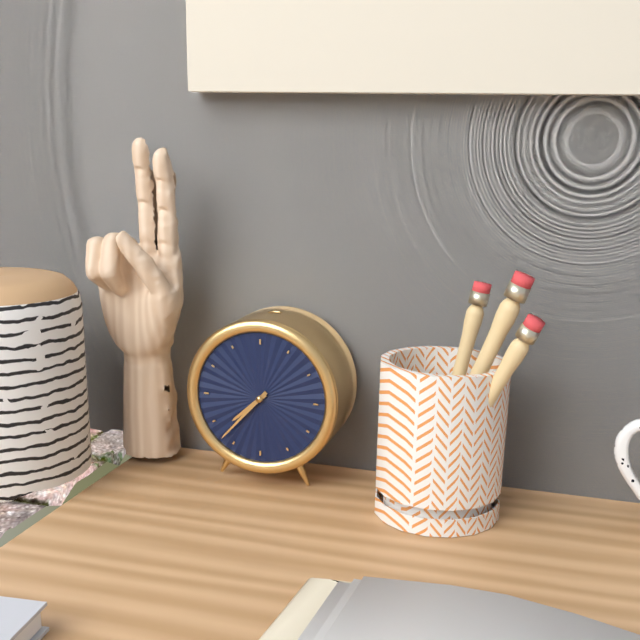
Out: 7h37
